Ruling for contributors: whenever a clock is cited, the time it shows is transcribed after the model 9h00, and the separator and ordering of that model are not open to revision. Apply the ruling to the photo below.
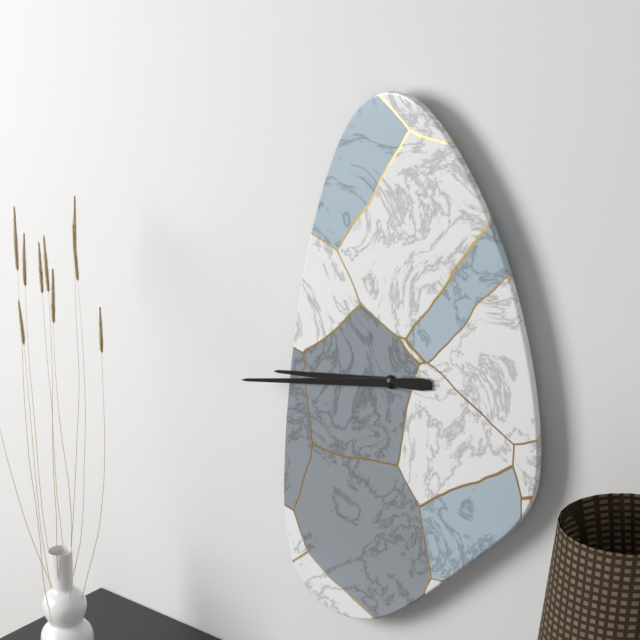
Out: 8h43
